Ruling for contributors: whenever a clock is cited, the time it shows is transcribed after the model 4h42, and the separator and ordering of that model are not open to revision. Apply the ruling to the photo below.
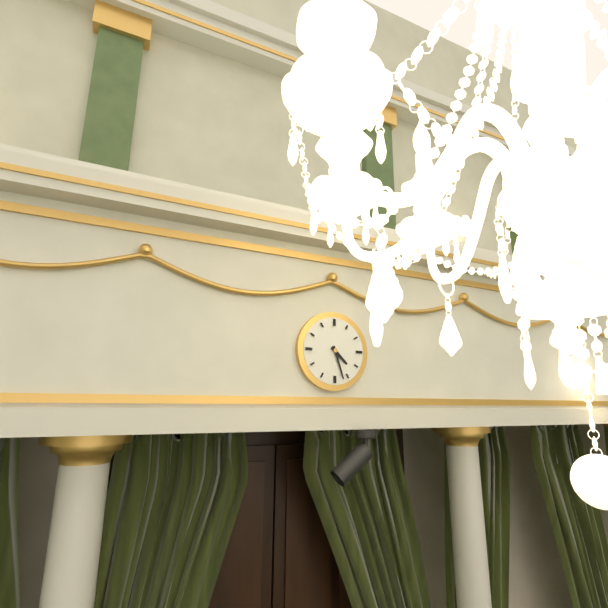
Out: 4h27
